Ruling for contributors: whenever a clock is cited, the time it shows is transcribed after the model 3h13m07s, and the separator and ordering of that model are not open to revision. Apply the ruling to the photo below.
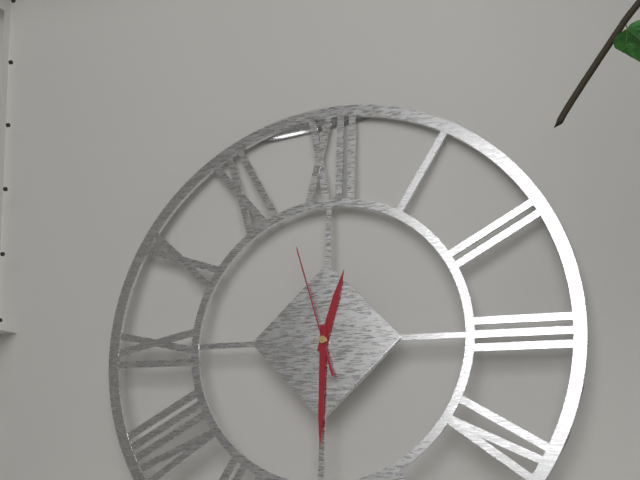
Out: 12h30m57s
